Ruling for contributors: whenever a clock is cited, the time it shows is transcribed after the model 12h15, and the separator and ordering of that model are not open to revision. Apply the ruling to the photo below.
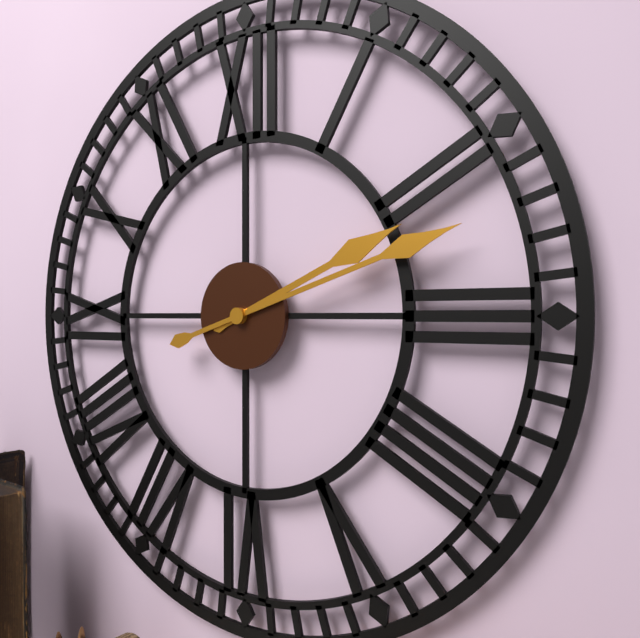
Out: 2h12
